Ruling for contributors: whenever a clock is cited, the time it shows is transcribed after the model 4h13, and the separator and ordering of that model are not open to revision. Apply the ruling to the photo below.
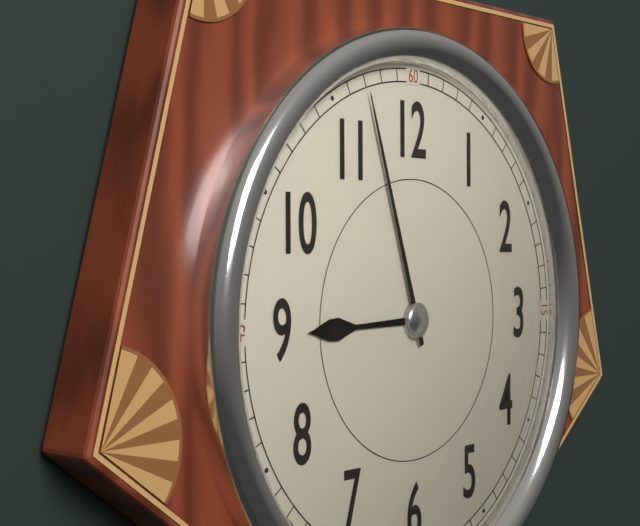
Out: 8h57
